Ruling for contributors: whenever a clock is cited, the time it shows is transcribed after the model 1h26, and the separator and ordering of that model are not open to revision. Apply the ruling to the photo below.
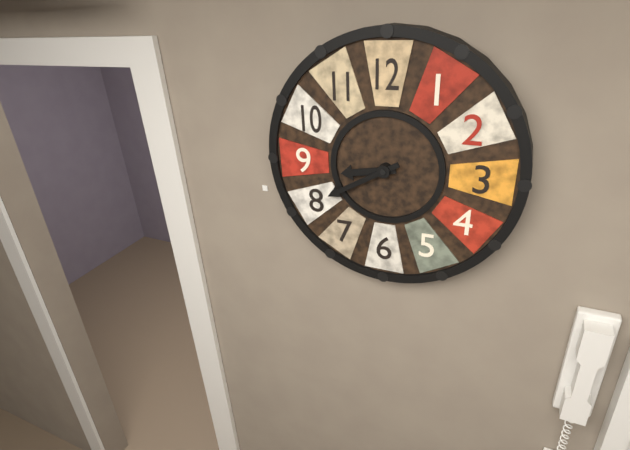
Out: 8h40
